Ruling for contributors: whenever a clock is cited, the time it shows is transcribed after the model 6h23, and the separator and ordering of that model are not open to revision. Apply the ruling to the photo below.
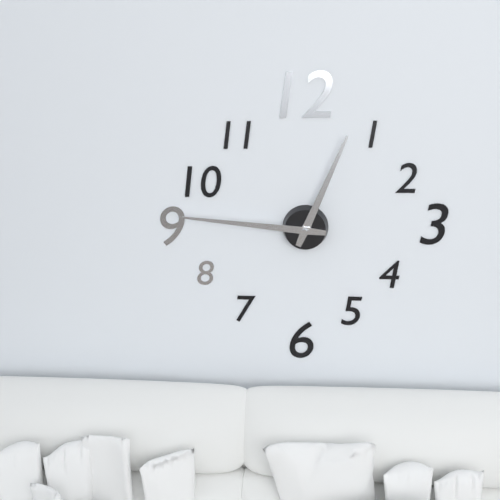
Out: 12h46
